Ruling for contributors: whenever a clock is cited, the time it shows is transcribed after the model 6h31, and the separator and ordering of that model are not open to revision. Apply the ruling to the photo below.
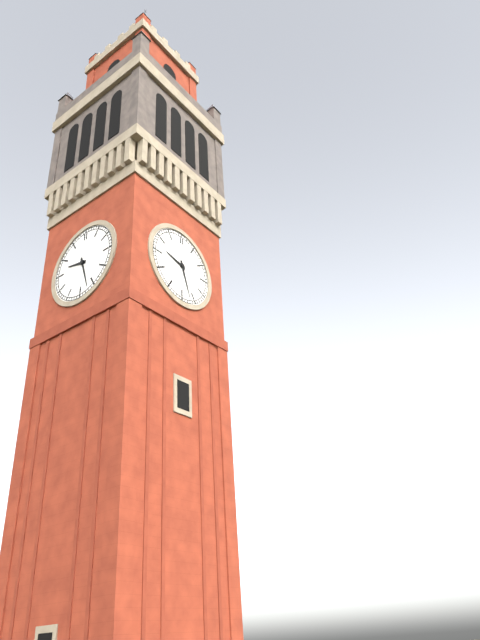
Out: 9h27
